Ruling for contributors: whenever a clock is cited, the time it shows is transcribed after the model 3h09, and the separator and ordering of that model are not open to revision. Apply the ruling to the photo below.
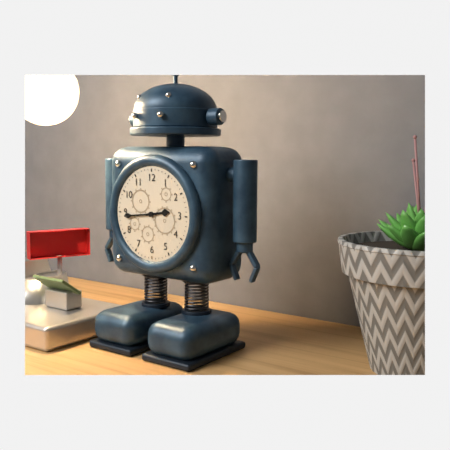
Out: 2h44
